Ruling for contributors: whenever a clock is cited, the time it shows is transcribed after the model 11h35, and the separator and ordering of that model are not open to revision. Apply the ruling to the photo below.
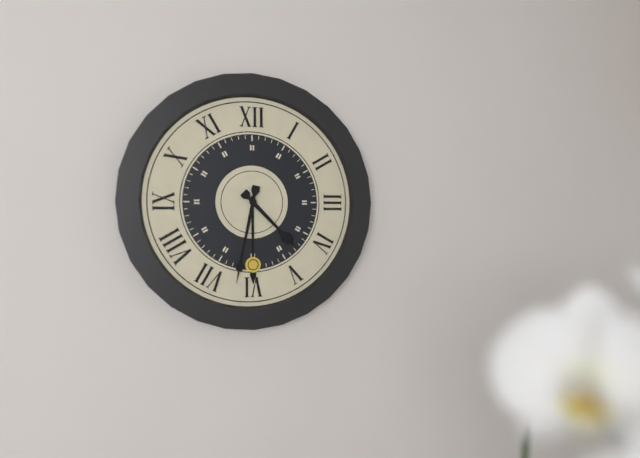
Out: 4h32
